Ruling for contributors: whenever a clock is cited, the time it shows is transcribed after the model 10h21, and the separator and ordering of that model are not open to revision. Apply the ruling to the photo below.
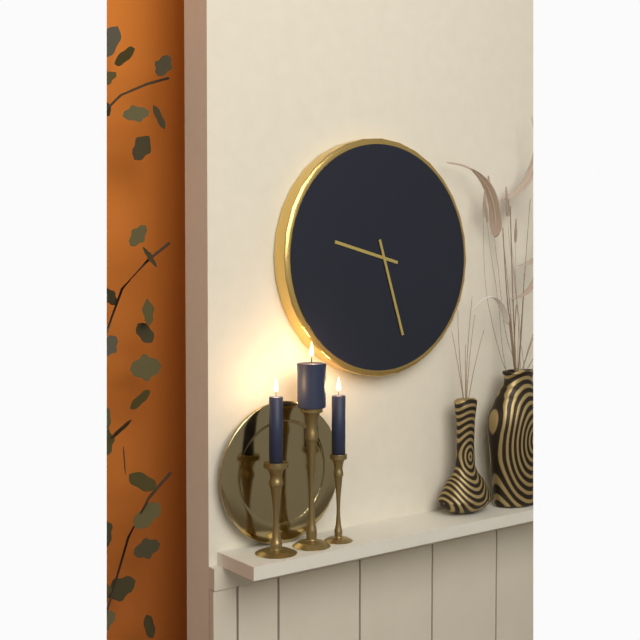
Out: 9h27
